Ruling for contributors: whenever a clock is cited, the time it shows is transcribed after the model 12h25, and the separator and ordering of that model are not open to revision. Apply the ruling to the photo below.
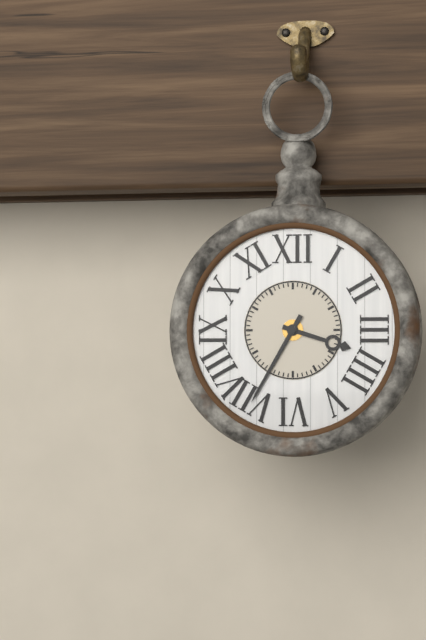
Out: 3h35
